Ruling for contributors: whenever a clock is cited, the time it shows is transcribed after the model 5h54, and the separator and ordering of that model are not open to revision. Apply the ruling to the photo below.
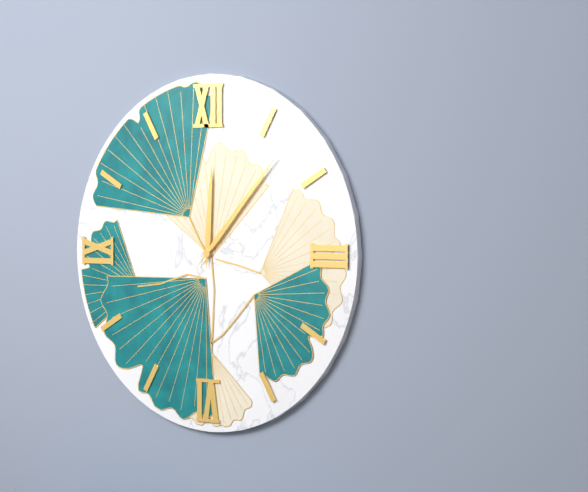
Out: 12h07
